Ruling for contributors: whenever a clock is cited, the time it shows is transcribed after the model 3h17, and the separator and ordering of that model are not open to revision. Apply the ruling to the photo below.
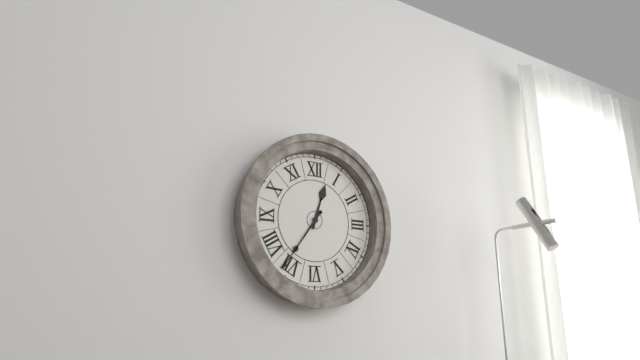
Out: 12h36
